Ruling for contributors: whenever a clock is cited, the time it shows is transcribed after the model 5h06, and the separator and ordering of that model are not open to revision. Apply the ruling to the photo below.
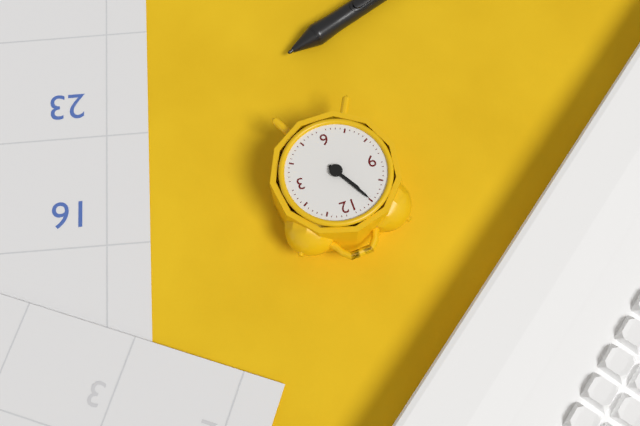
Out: 10h55
